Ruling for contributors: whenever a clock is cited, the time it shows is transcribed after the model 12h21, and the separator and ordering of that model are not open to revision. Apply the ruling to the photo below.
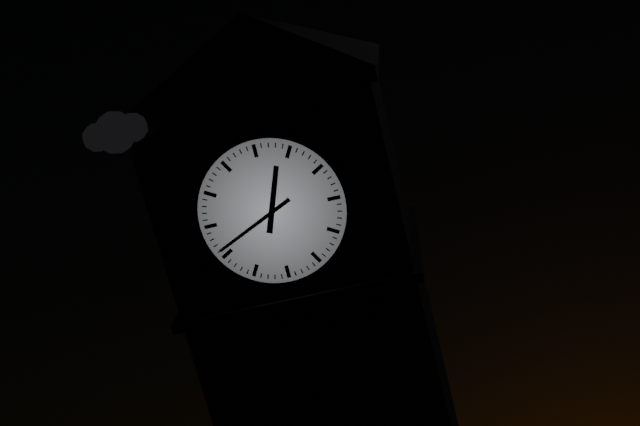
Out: 12h41
